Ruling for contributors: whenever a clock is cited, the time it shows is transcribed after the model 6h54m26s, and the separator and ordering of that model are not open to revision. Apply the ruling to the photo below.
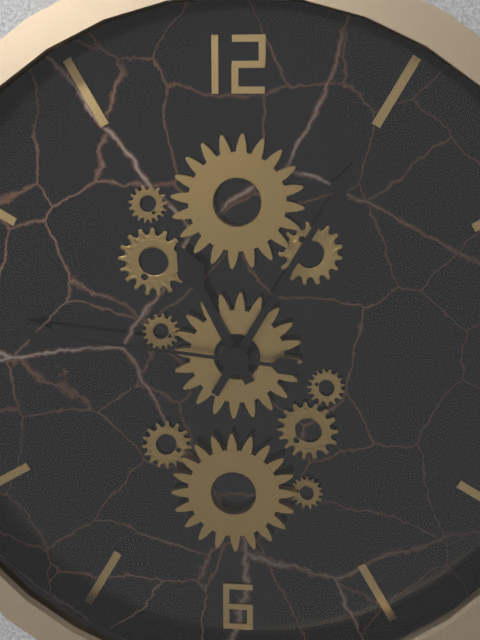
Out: 11h05m46s
